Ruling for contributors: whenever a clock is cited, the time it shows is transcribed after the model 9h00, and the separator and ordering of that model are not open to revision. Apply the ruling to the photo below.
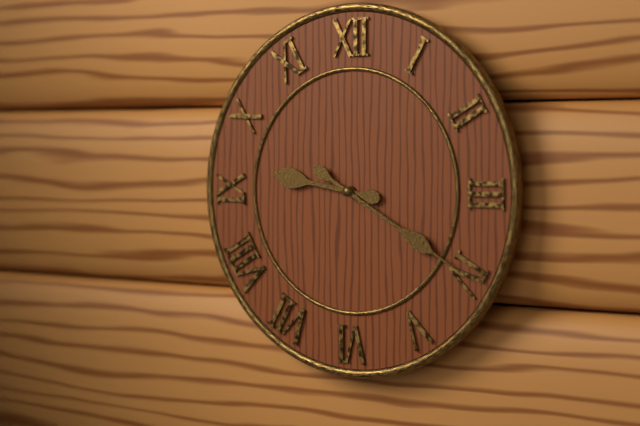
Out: 9h20
